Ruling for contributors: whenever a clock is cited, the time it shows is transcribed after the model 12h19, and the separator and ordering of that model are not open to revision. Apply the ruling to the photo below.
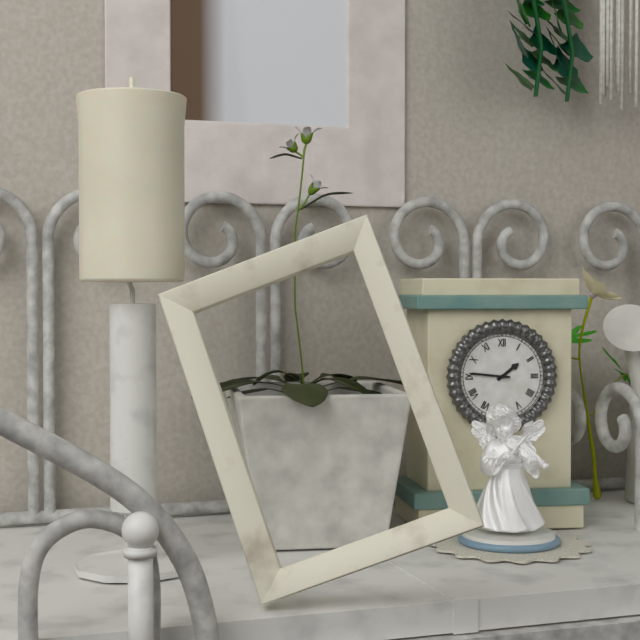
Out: 1h46
